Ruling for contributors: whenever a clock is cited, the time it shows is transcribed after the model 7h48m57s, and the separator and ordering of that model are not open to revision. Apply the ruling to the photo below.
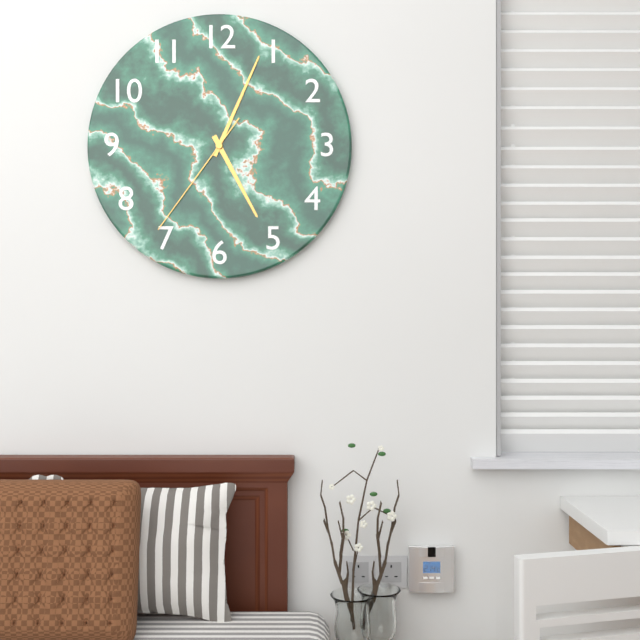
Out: 5h04m36s
